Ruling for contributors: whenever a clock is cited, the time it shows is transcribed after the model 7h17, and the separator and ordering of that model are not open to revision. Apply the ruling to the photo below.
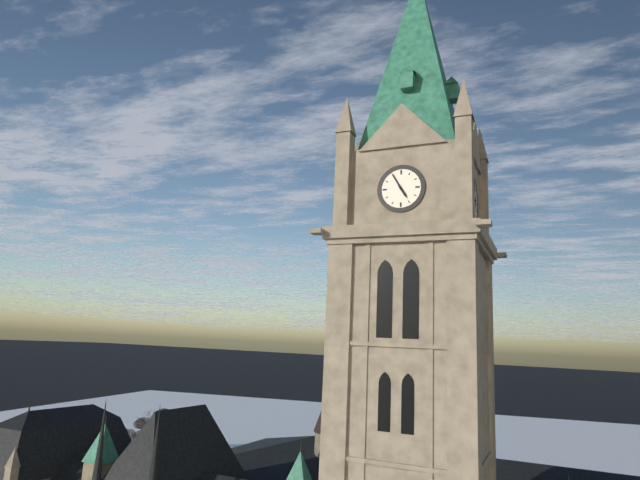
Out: 4h55
